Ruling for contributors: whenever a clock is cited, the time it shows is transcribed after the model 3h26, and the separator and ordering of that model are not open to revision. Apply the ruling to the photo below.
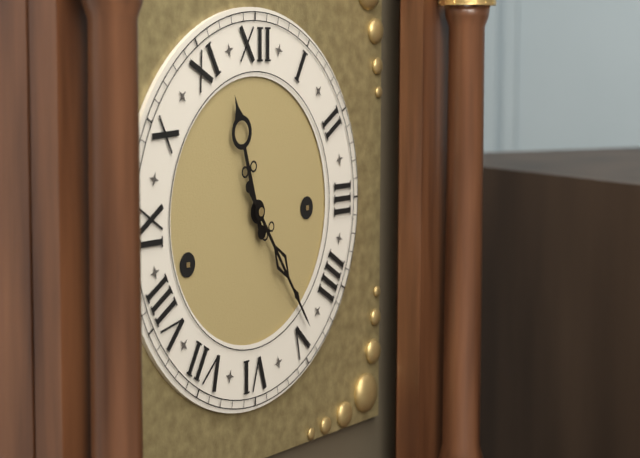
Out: 11h24
